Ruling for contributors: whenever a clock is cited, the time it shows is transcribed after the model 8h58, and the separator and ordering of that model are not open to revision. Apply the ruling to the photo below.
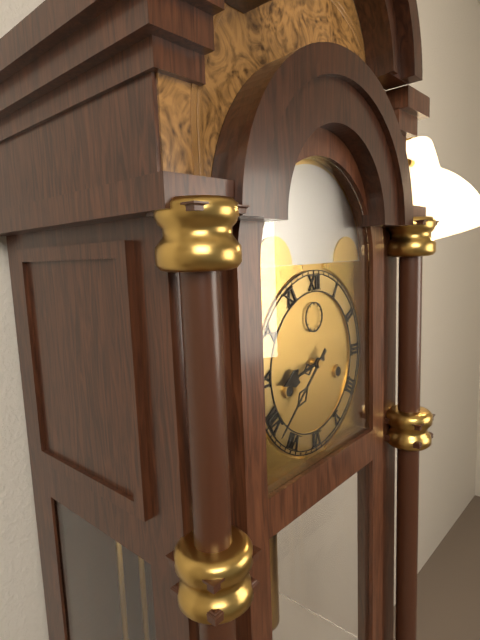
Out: 8h38
